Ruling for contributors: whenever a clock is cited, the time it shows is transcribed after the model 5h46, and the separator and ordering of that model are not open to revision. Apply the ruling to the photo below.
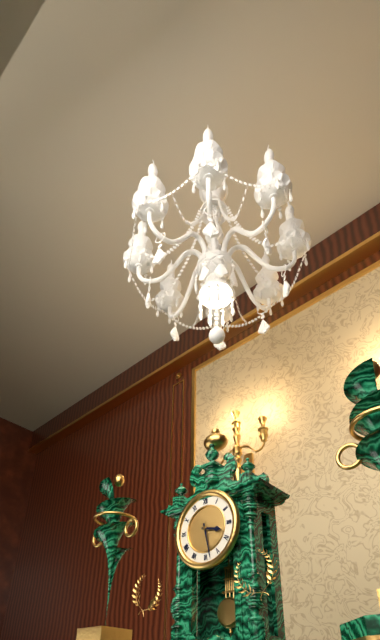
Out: 3h28
